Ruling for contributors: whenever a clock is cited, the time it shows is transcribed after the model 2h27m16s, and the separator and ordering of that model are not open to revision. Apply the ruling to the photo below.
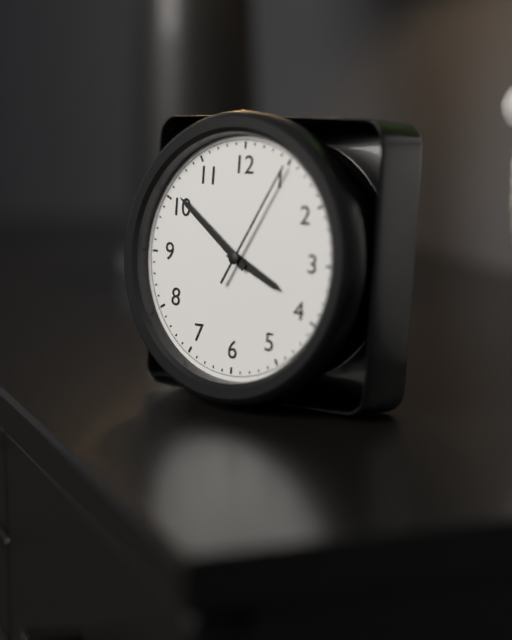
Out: 3h51m05s
